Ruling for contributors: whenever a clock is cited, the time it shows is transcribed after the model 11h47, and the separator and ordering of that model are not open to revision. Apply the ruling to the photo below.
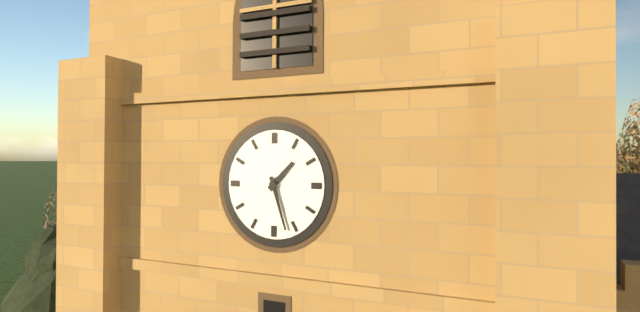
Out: 1h27
